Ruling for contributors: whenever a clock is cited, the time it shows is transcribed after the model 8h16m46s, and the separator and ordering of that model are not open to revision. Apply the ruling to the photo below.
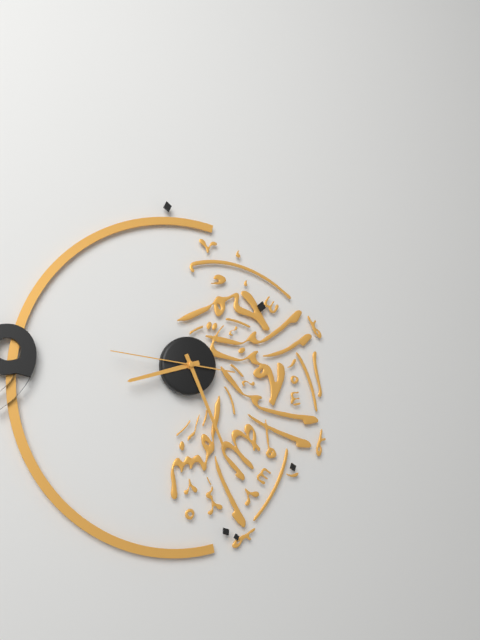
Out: 8h26m46s
